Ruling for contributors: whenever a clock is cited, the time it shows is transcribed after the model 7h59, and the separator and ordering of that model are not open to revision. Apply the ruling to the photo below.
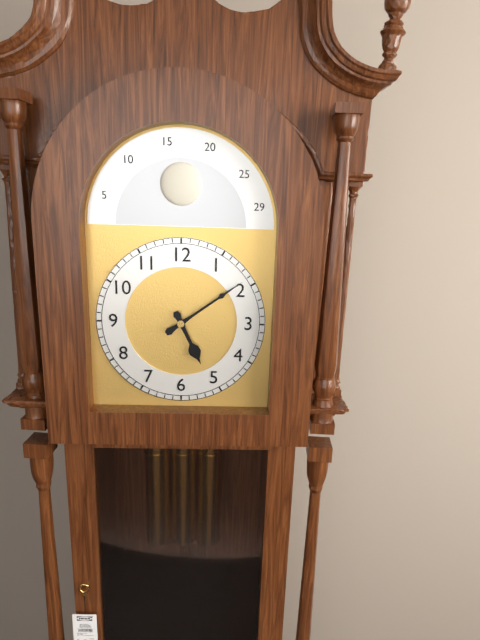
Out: 5h09
